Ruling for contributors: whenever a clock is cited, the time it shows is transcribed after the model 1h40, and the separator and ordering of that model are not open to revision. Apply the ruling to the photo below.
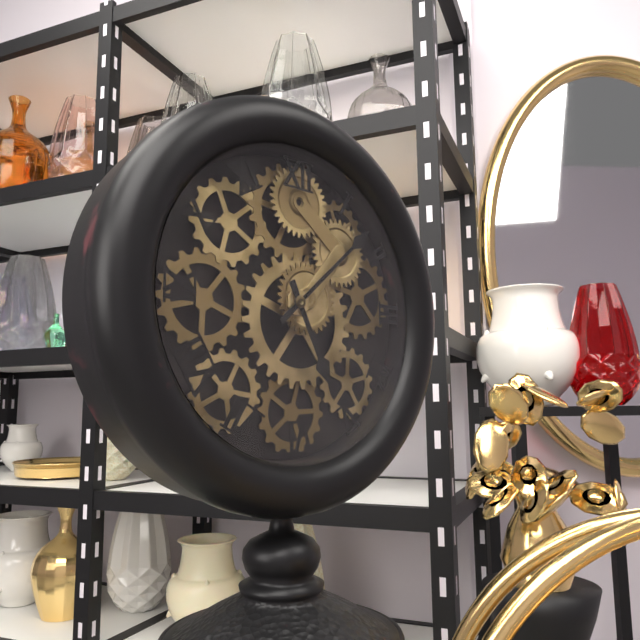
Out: 5h08
